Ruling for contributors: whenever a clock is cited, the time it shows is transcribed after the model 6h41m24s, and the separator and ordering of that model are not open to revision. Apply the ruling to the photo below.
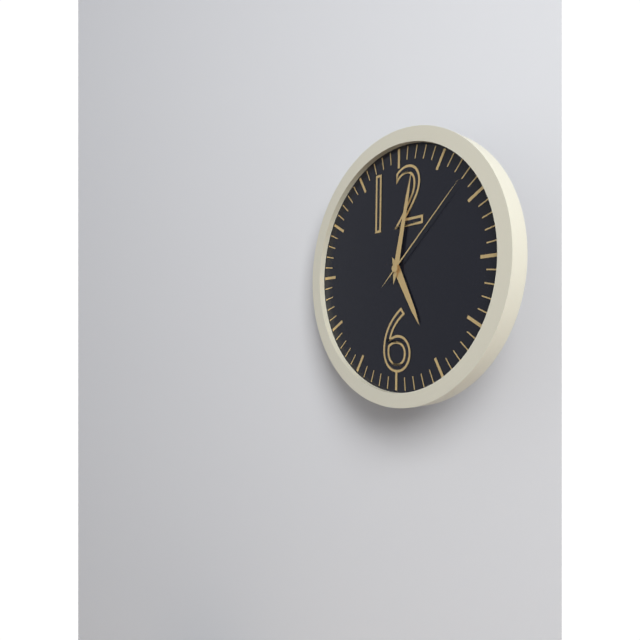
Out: 5h02m08s
